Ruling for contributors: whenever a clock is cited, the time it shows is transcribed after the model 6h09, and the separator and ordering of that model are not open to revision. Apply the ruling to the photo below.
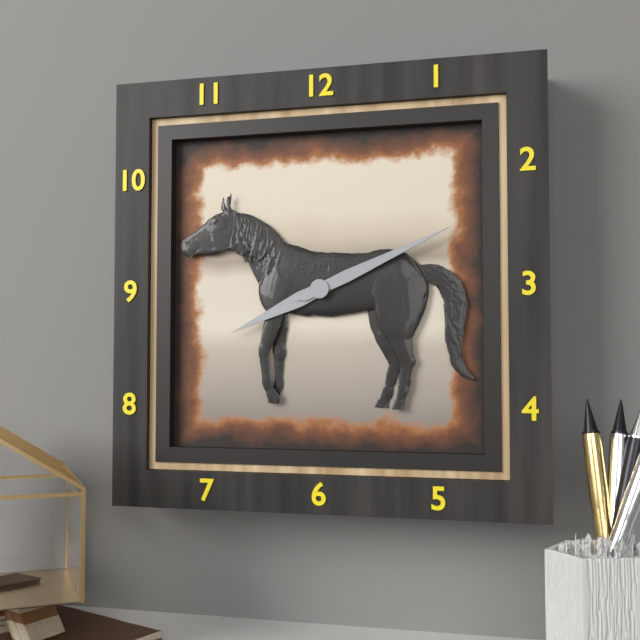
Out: 8h11
